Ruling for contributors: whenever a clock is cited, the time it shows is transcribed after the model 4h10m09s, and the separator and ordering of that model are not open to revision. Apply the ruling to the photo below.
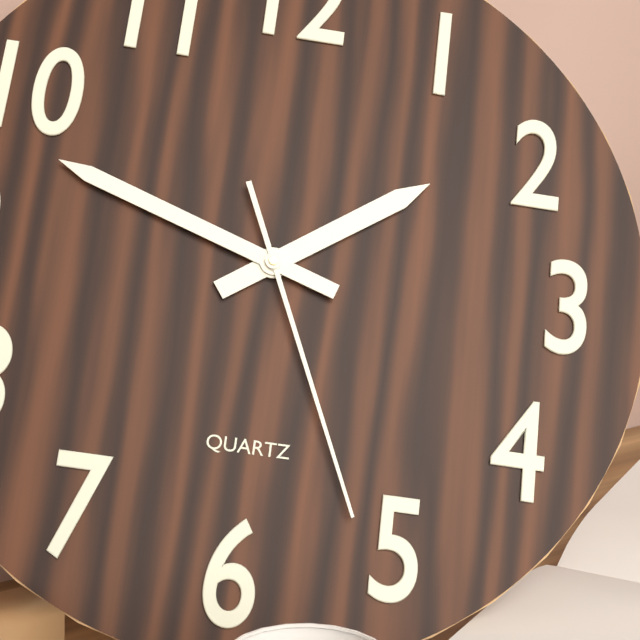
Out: 1h48m26s
